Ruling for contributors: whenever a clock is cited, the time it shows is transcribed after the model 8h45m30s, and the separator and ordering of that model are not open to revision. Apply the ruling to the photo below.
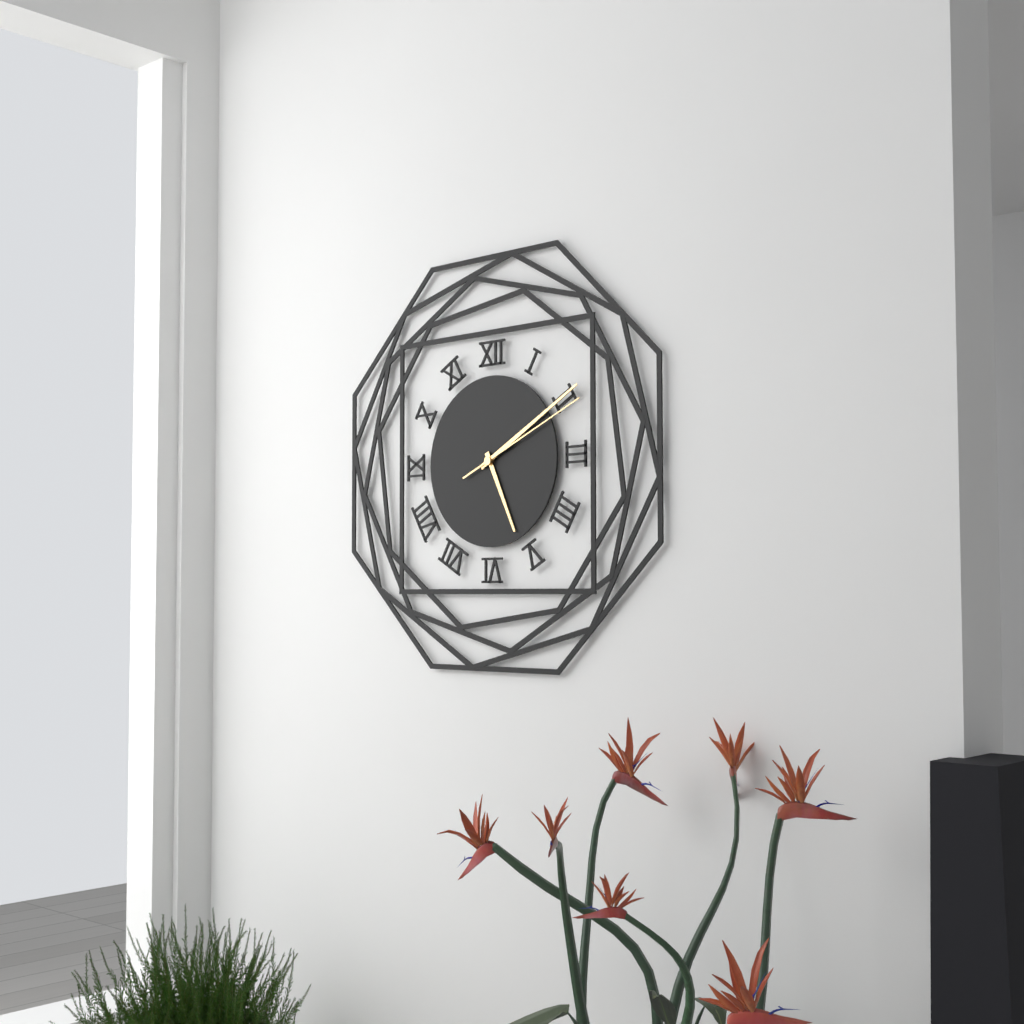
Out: 5h10m11s
